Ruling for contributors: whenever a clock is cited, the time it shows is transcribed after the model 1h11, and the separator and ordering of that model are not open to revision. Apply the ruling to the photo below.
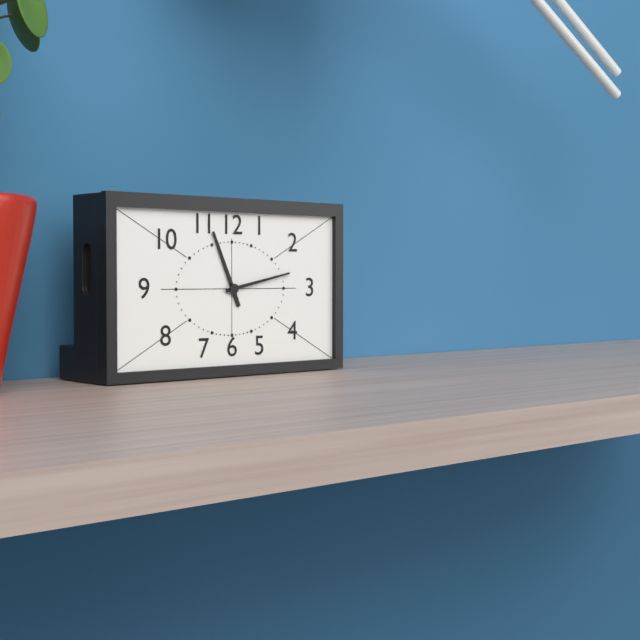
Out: 11h13
